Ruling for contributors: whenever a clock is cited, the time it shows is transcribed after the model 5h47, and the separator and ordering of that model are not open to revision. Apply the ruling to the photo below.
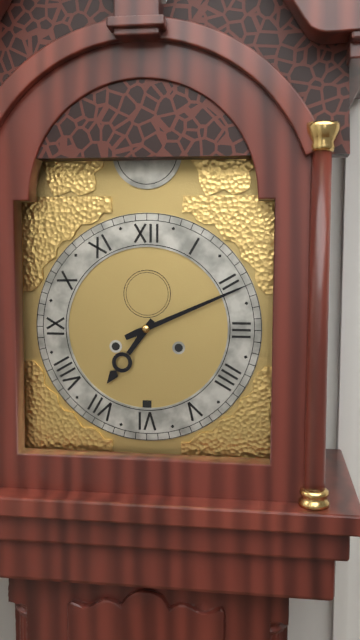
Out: 7h11
